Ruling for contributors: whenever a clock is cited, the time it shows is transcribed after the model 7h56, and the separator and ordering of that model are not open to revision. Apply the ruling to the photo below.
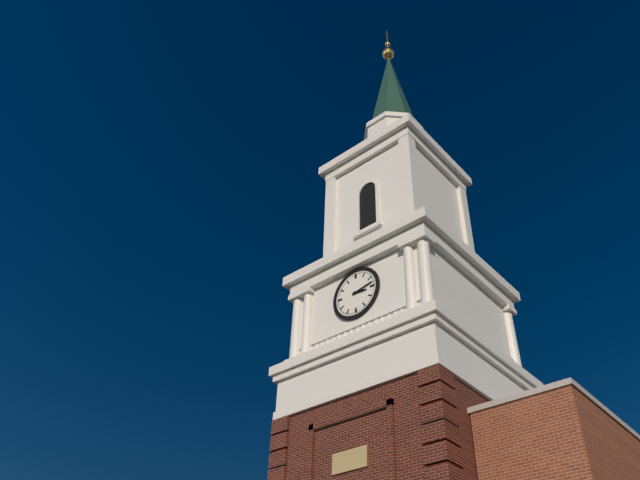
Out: 3h13
